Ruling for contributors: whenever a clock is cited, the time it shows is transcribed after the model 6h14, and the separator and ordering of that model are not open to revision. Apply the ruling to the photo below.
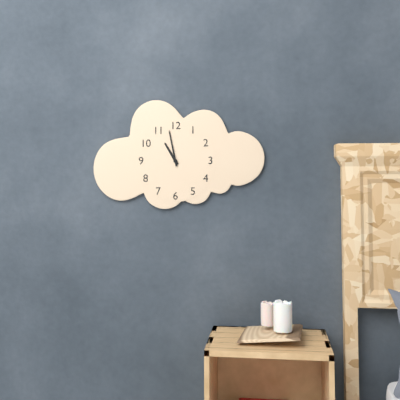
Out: 10h58
